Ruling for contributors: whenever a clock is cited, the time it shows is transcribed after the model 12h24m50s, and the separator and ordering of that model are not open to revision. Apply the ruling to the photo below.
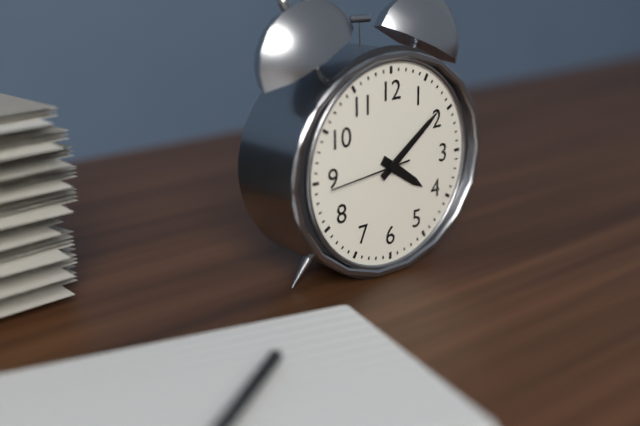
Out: 4h09m44s
